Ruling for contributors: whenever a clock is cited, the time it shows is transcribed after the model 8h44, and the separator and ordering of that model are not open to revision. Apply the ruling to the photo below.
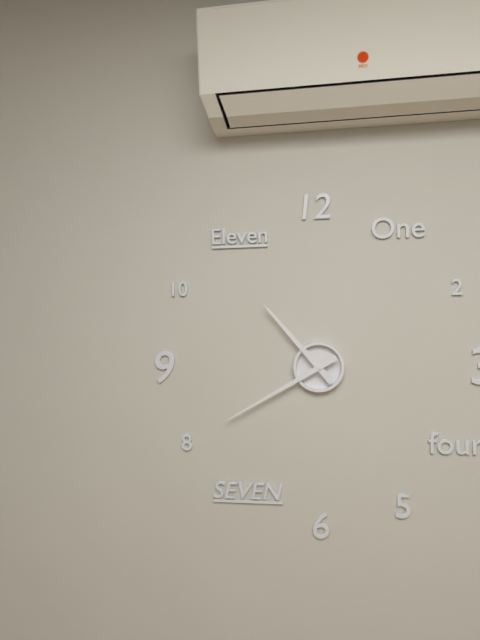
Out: 10h40
